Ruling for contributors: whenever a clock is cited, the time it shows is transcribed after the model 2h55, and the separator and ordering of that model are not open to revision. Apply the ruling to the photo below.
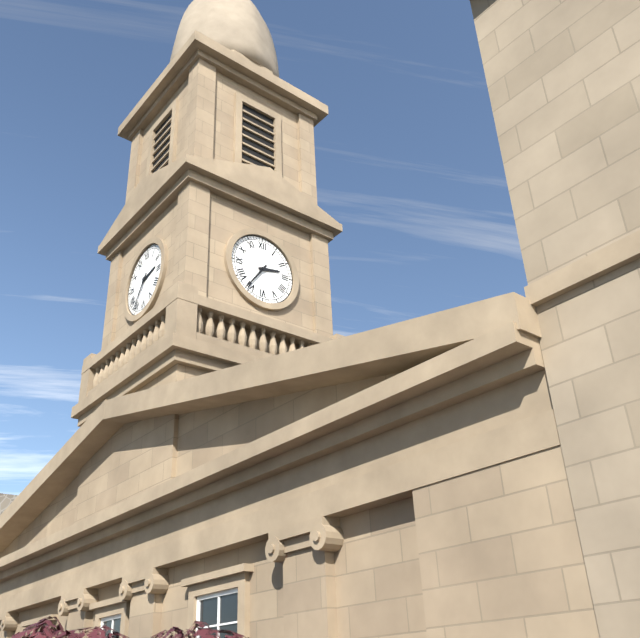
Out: 2h36
